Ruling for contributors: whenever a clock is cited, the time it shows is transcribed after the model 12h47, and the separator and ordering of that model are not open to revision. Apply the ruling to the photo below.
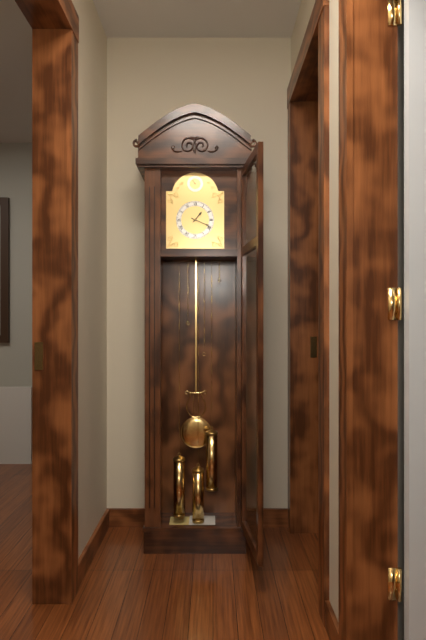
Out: 1h19
